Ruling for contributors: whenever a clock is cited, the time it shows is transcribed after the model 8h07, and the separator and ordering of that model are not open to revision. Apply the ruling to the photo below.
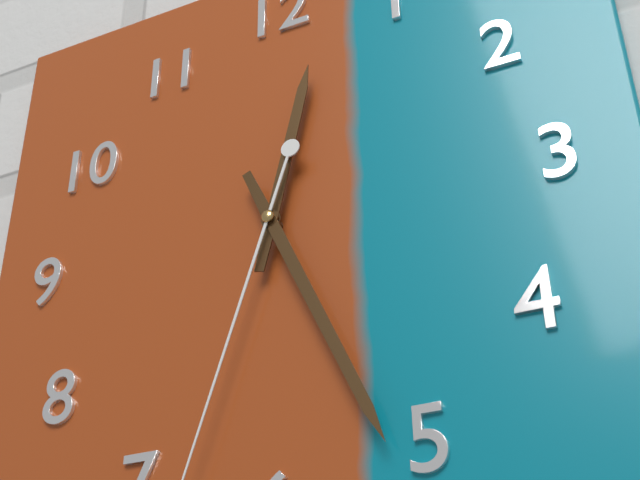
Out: 12h26
